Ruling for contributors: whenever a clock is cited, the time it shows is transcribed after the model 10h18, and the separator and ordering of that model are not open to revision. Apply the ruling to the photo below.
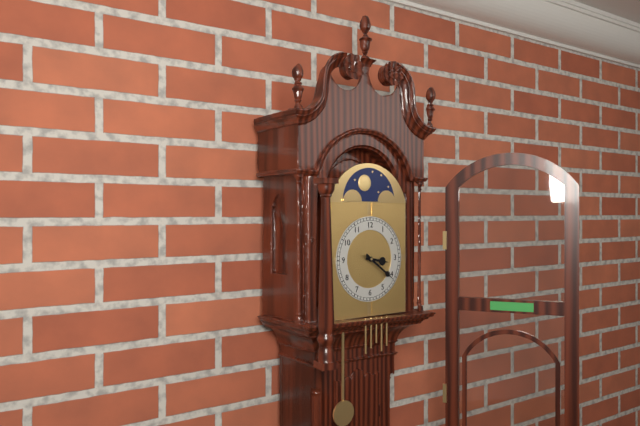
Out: 3h21
